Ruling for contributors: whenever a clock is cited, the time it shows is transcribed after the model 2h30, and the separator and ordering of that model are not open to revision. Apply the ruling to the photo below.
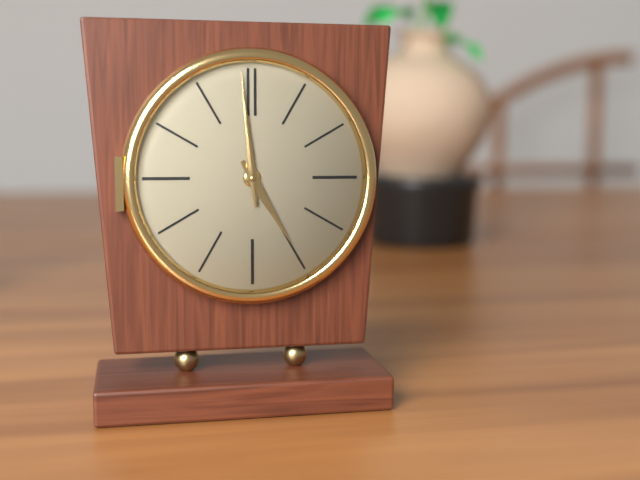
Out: 4h59
